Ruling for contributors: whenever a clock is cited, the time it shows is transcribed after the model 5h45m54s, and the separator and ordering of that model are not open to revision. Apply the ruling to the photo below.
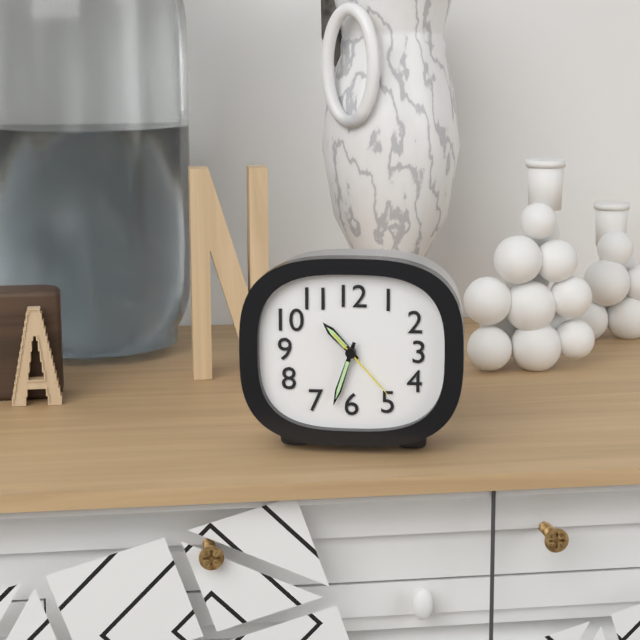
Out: 10h33m23s
